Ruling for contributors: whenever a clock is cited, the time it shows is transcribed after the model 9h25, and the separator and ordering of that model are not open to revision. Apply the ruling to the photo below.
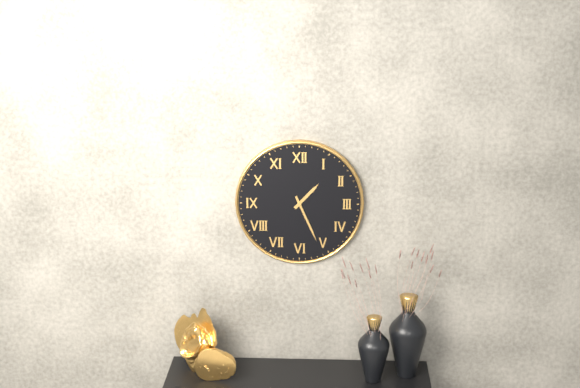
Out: 1h26
